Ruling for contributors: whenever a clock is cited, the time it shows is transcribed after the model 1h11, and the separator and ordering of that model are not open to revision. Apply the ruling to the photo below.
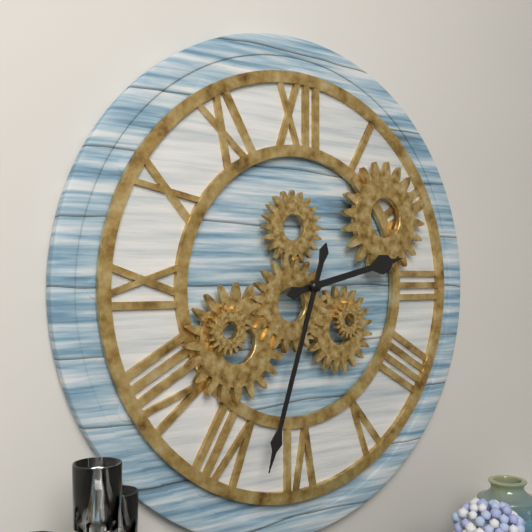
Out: 2h33
